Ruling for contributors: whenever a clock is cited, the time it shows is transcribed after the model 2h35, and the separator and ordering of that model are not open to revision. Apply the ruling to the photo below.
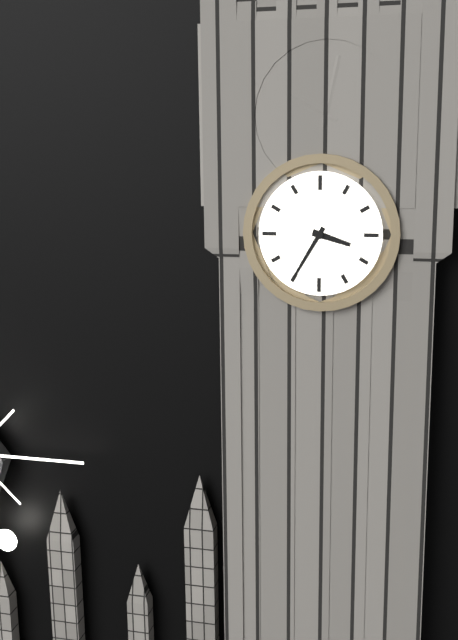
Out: 3h35
